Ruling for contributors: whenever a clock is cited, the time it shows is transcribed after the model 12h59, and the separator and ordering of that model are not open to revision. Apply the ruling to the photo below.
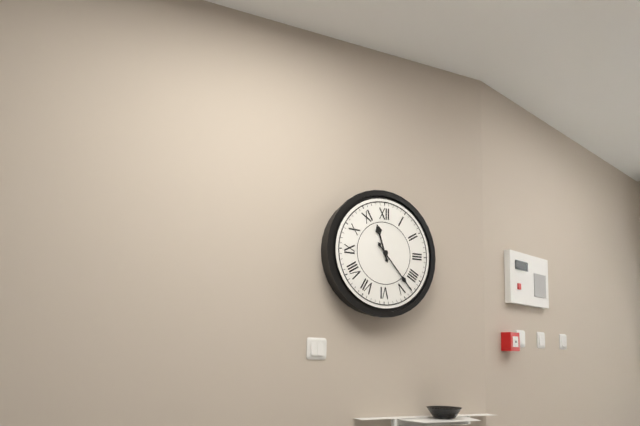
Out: 11h23
